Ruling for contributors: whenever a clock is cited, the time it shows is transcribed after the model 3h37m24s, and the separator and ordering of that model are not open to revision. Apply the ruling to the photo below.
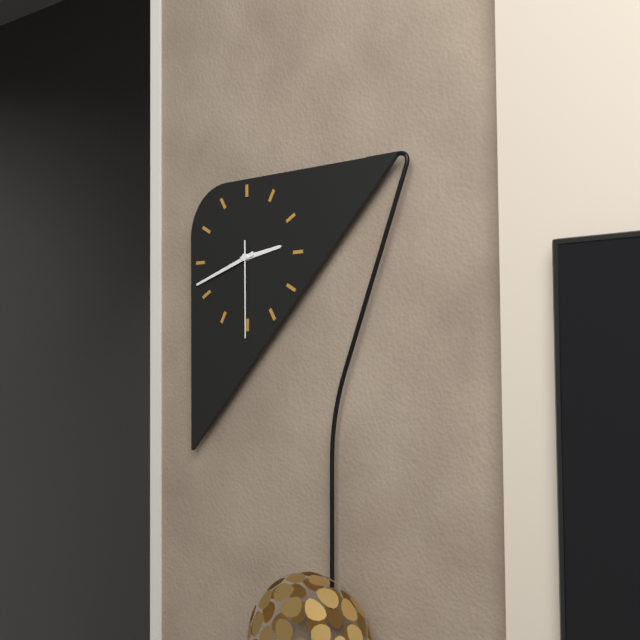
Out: 2h42m30s
